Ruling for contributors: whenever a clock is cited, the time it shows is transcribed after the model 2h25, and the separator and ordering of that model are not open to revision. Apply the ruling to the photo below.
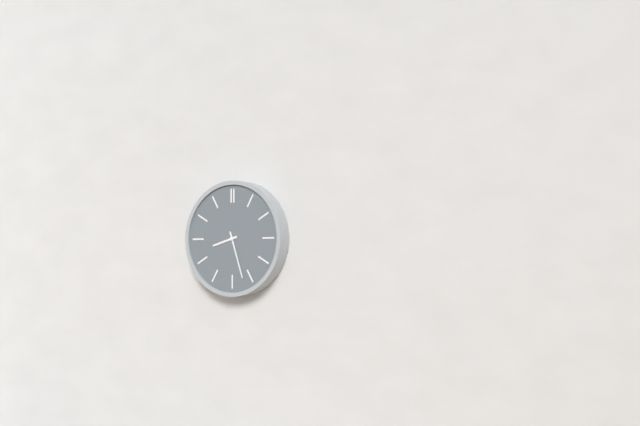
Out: 8h27
